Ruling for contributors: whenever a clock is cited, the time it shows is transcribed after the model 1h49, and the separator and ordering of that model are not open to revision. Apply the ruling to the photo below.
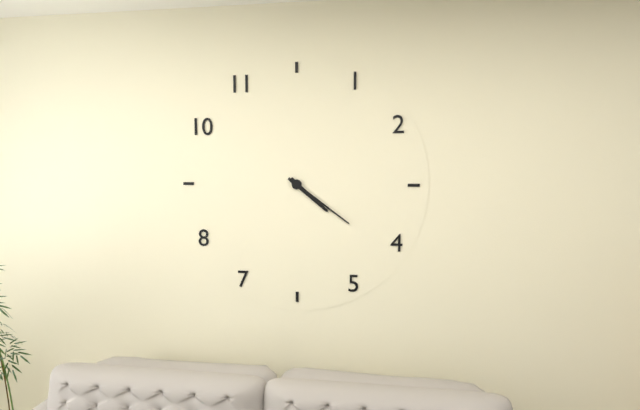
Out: 4h21
